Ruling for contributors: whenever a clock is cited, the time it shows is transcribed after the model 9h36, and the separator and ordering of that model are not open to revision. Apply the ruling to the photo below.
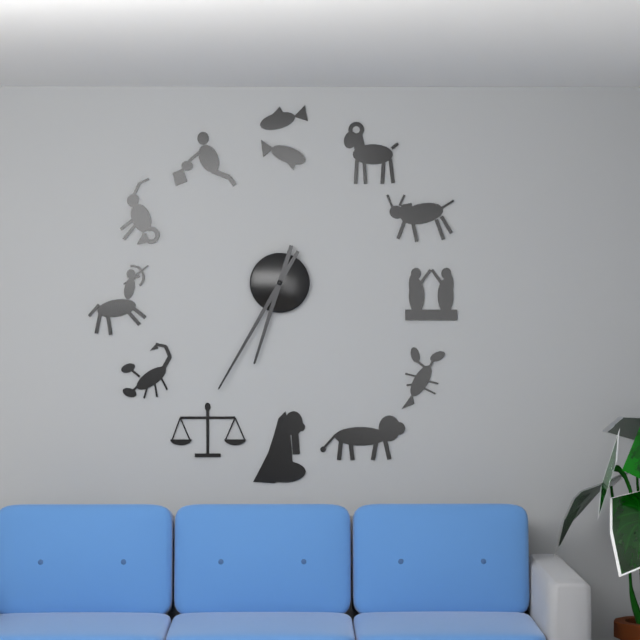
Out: 6h35
